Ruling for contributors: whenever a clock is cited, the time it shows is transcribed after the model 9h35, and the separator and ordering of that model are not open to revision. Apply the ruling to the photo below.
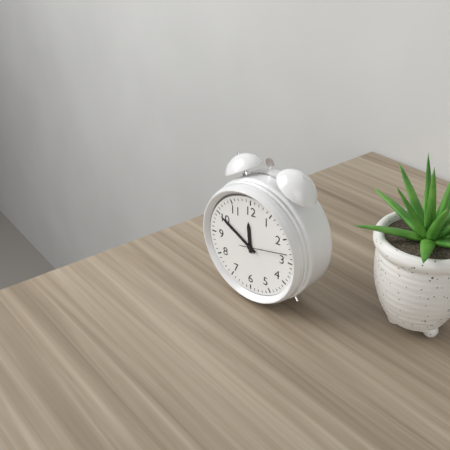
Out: 11h50
